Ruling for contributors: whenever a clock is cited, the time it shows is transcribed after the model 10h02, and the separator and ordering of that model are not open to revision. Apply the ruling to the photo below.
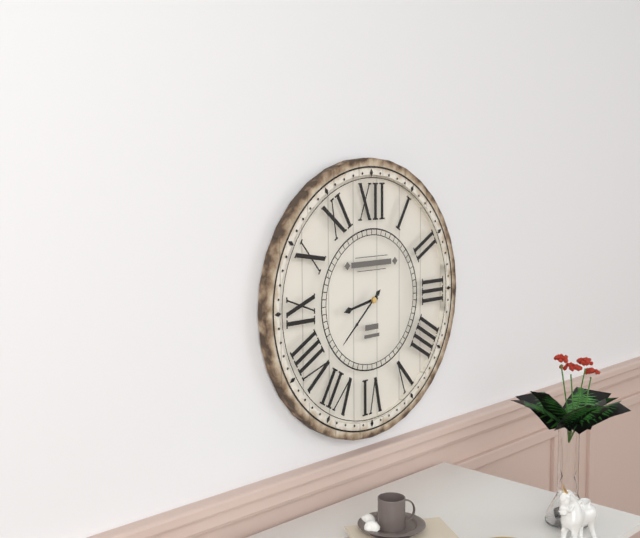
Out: 8h38
